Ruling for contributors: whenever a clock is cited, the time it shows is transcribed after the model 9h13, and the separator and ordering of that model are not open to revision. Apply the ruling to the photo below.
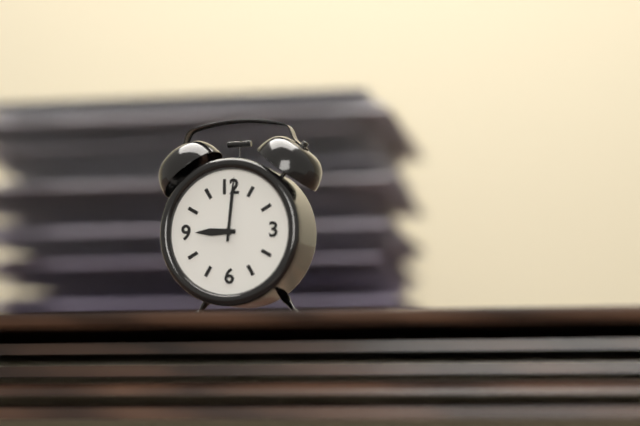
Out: 9h01
